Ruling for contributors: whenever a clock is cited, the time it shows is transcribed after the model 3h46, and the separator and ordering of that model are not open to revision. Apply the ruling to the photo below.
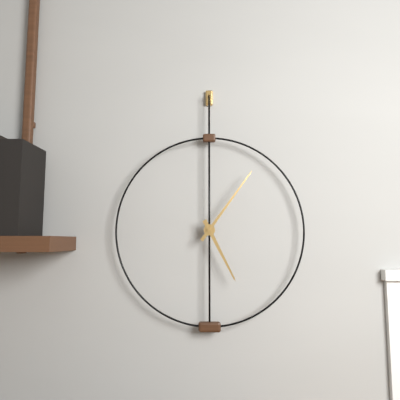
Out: 5h06
